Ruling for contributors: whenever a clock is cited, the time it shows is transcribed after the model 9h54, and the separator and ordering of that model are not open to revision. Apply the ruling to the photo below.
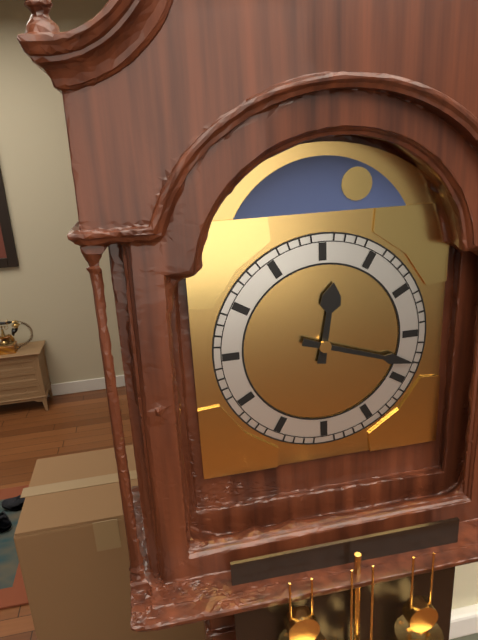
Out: 12h18
